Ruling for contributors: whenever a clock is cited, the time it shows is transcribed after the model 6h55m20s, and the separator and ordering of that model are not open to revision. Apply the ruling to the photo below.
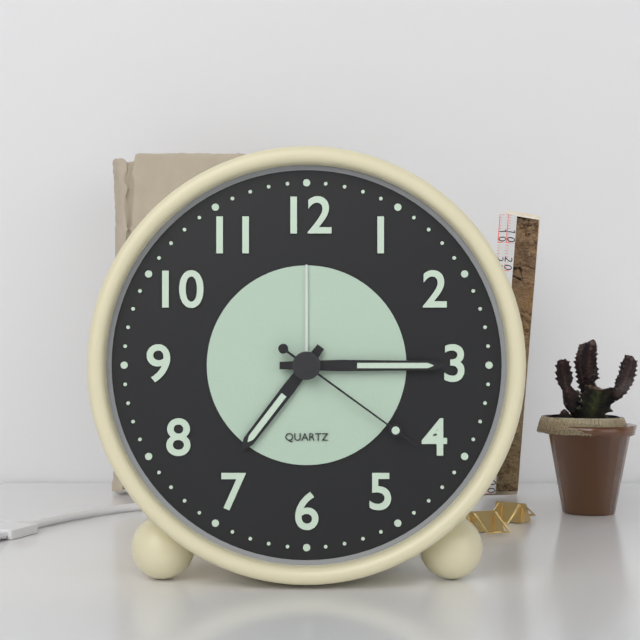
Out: 7h15m21s
